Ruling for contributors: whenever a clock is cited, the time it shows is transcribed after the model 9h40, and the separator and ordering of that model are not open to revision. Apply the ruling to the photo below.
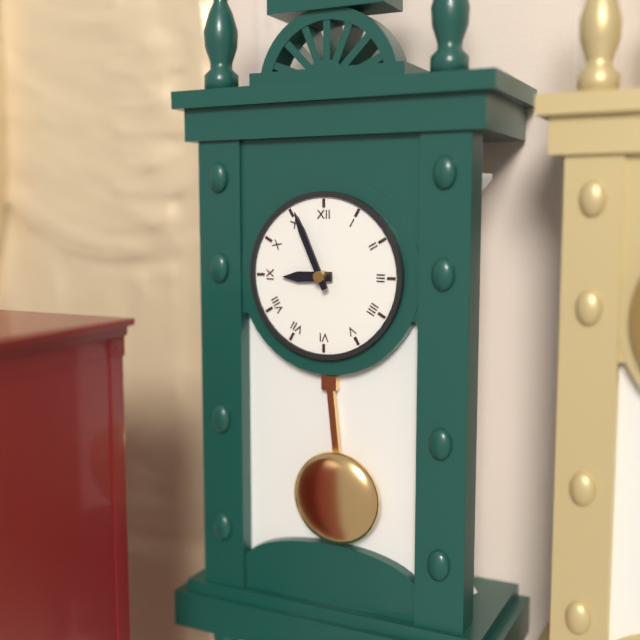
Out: 8h56
